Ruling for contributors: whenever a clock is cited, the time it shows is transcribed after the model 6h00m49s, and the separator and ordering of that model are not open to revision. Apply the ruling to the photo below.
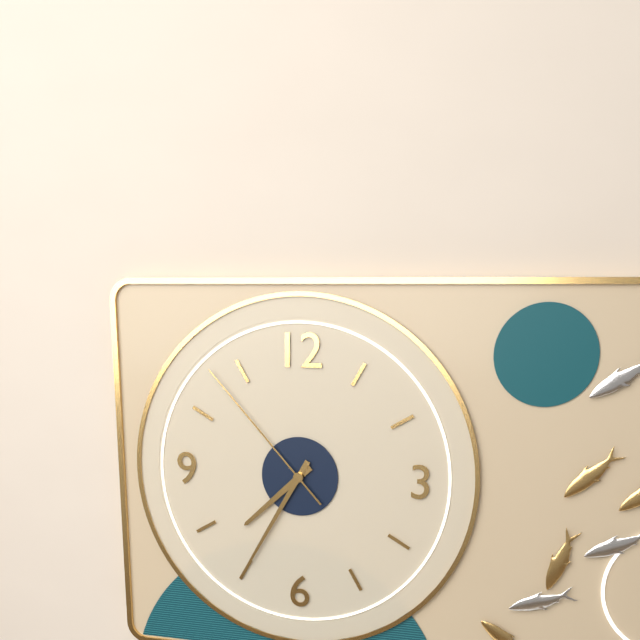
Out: 7h35m53s
